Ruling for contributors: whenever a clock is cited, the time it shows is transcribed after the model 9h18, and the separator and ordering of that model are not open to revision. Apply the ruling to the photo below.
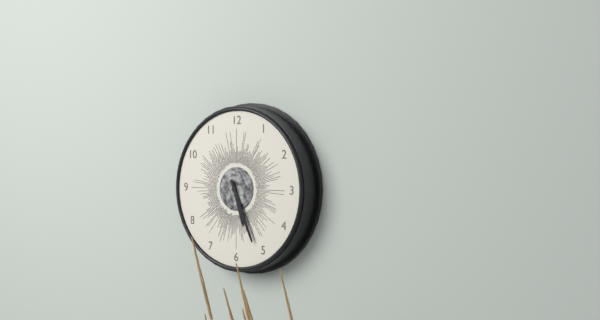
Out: 5h26
